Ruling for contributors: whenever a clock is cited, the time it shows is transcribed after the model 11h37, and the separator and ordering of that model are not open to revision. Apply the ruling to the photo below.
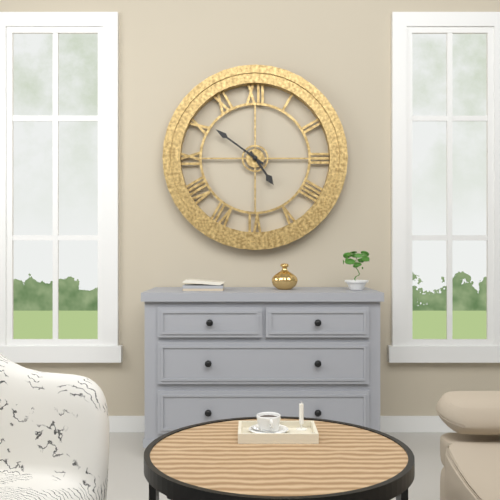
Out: 4h51
